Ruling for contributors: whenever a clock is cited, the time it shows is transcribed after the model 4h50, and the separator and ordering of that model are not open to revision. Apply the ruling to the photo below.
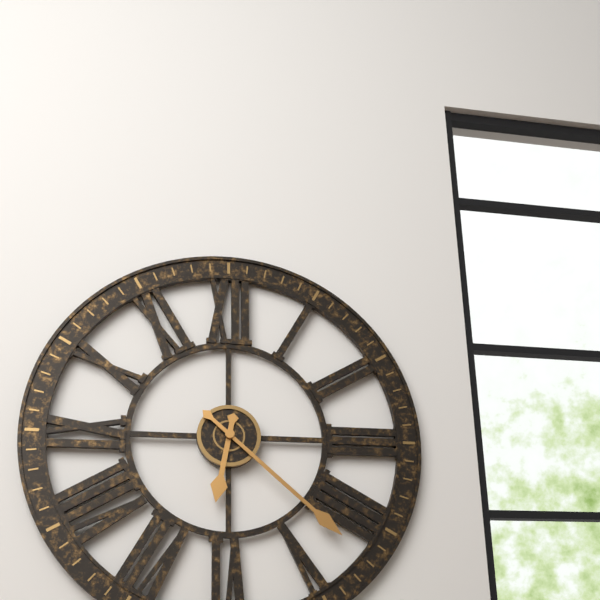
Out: 6h22
